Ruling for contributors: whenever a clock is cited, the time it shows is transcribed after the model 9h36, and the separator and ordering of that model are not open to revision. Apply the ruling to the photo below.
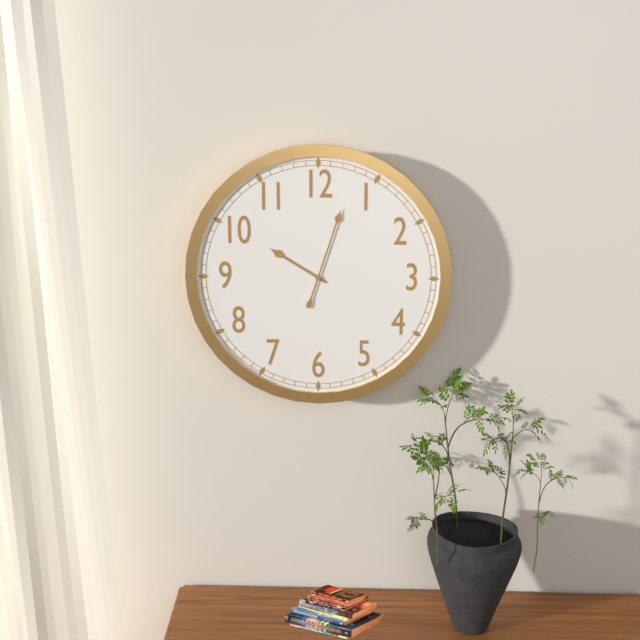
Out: 10h03
